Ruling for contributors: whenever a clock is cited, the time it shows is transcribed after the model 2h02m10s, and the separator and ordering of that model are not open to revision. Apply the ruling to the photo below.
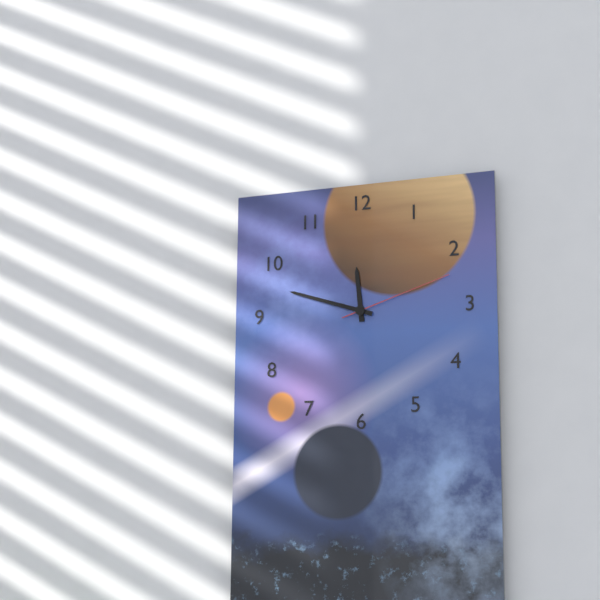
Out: 11h48m12s
